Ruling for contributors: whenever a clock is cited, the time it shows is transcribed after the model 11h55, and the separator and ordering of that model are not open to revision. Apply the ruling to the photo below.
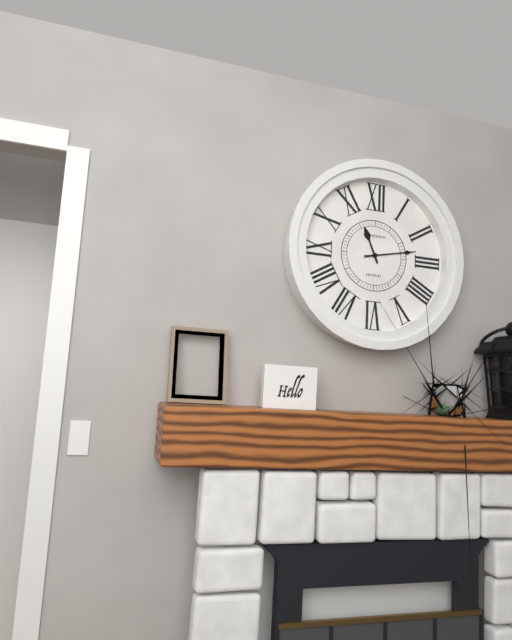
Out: 11h13
